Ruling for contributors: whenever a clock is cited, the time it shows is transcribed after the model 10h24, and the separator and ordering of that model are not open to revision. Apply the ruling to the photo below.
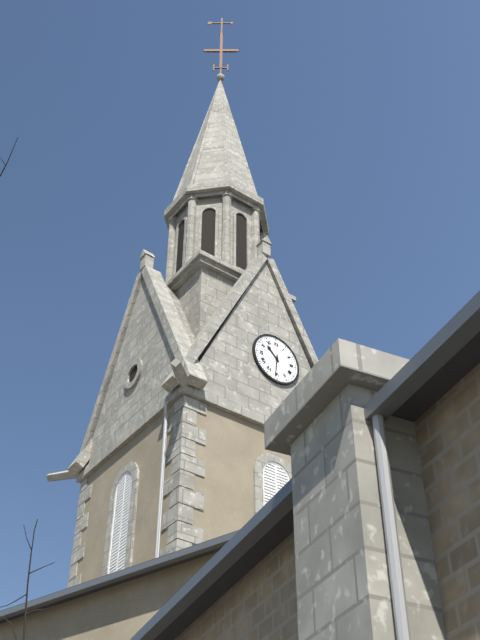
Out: 10h31
